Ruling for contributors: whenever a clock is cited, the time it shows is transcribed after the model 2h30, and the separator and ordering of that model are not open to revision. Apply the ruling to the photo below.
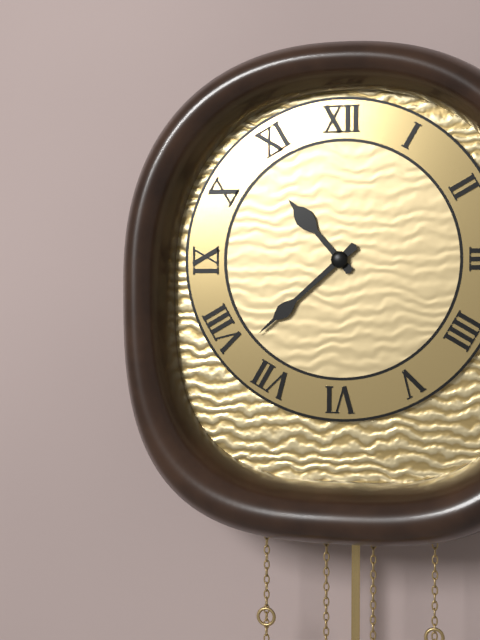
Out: 10h38
